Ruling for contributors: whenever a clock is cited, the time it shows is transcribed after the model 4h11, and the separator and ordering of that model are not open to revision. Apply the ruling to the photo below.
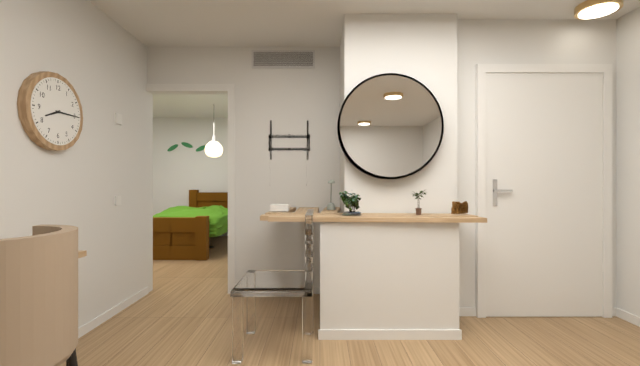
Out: 8h15
